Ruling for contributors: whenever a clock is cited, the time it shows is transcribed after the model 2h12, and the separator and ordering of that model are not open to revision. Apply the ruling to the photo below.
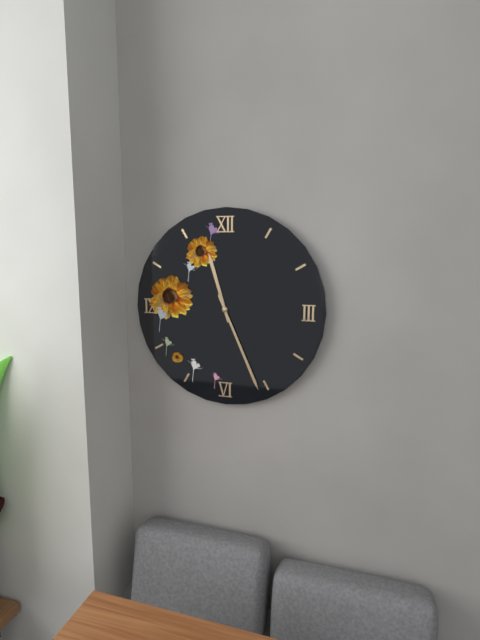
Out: 11h26
